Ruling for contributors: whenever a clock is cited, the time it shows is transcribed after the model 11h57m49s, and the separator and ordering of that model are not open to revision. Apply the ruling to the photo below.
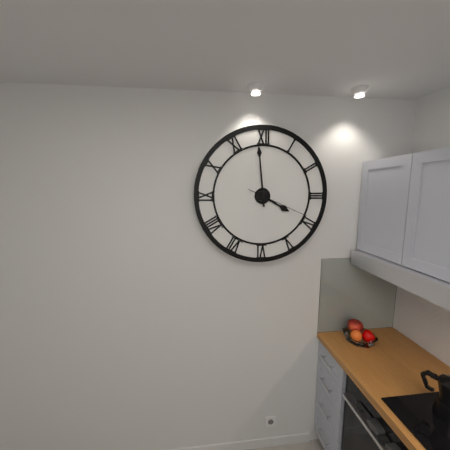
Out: 3h59m19s
